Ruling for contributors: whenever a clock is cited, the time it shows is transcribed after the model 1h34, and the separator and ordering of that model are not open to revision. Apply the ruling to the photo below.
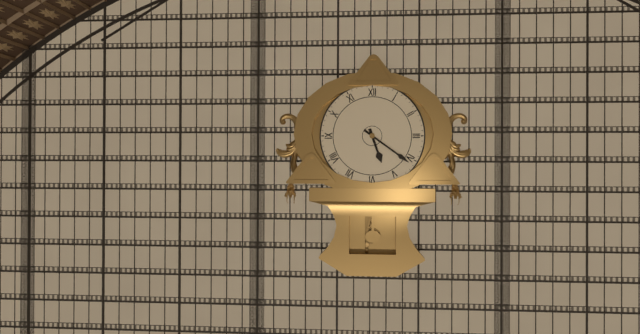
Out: 5h21
